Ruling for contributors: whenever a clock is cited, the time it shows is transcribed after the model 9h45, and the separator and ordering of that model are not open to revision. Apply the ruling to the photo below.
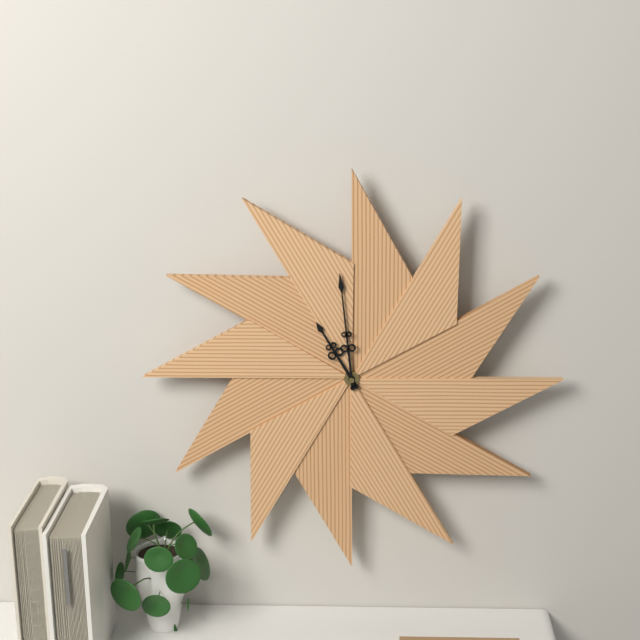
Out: 10h59
